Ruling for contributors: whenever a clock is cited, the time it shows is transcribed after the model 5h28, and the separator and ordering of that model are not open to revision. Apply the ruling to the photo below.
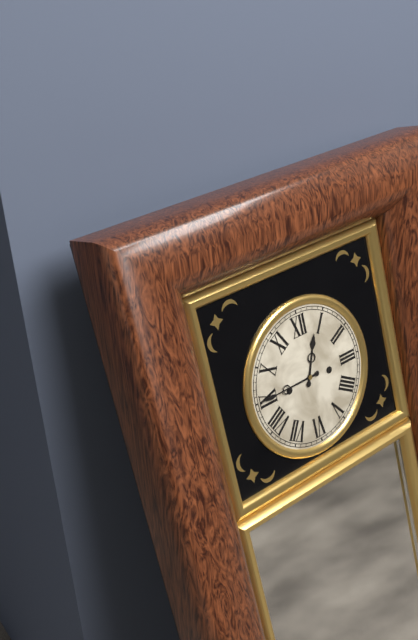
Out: 12h45
